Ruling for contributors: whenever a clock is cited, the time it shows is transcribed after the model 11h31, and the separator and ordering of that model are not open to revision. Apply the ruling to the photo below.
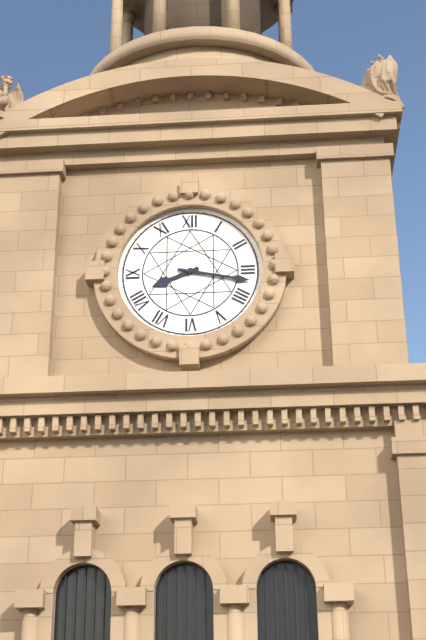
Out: 8h17
